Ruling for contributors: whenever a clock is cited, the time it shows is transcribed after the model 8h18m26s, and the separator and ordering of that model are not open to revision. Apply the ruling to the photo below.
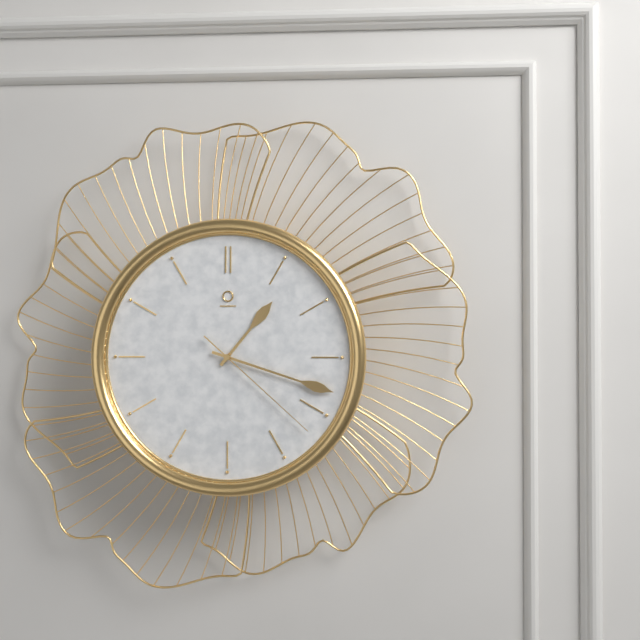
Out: 1h18m22s
